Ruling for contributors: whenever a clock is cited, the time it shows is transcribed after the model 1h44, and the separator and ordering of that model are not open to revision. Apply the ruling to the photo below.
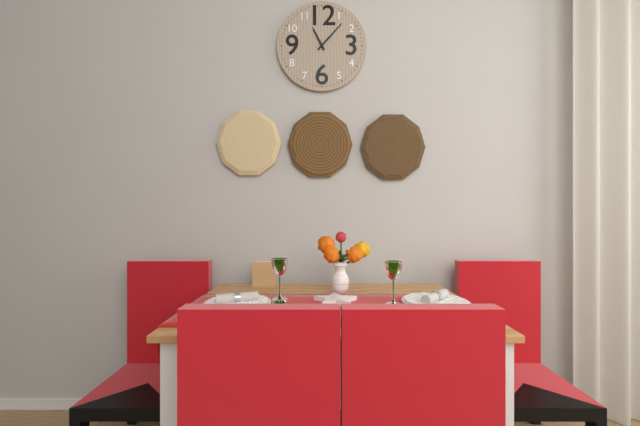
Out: 11h07
